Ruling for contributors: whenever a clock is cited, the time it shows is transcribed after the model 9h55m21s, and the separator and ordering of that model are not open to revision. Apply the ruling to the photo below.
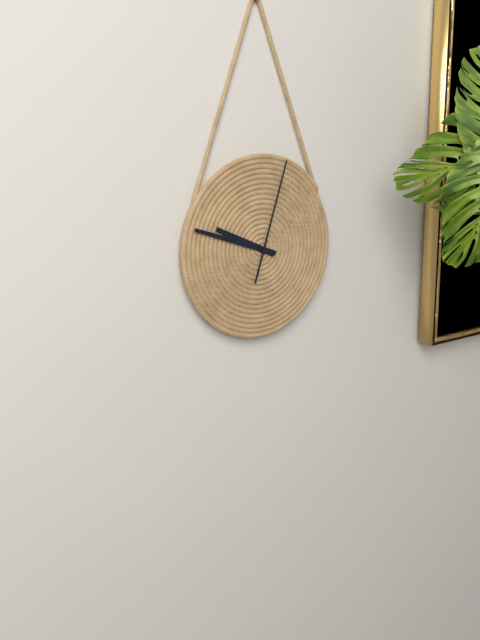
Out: 9h48m03s
